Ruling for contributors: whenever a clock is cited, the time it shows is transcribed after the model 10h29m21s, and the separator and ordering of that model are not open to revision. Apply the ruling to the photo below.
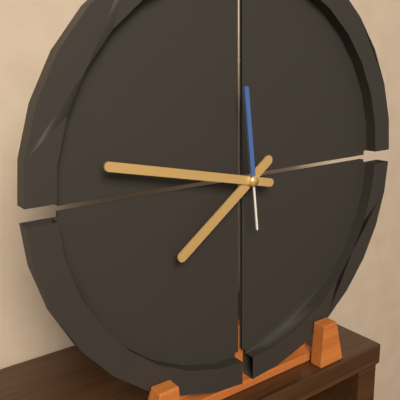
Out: 7h47m59s
